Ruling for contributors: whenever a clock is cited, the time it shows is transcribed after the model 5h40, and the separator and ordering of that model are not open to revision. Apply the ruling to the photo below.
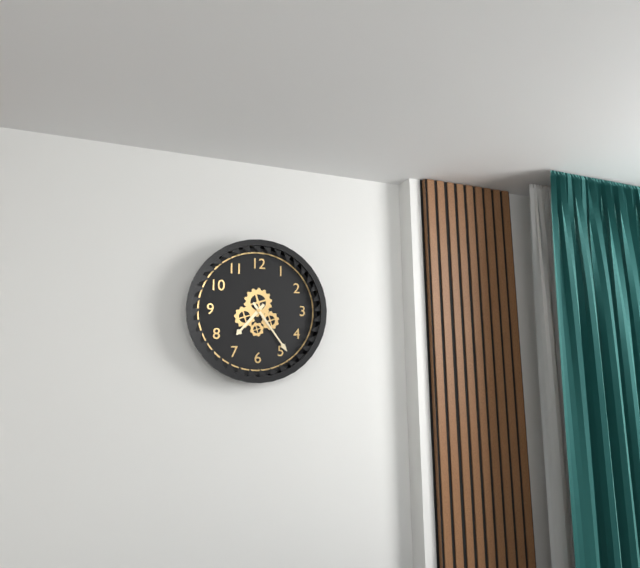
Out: 7h24
